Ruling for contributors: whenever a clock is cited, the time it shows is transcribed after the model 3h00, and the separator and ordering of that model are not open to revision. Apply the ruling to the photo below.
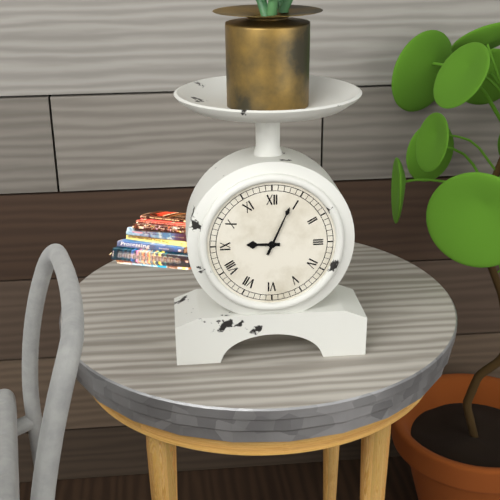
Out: 9h04
